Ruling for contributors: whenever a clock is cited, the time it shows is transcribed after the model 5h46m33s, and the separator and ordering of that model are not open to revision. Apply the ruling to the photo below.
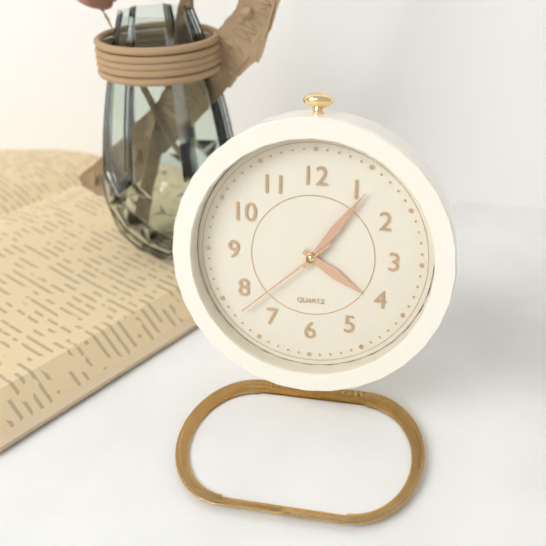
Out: 4h06m38s
